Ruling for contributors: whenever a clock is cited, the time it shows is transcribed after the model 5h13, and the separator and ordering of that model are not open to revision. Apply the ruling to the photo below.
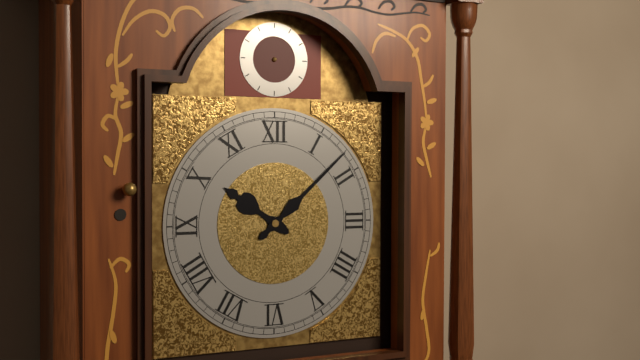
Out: 10h08
